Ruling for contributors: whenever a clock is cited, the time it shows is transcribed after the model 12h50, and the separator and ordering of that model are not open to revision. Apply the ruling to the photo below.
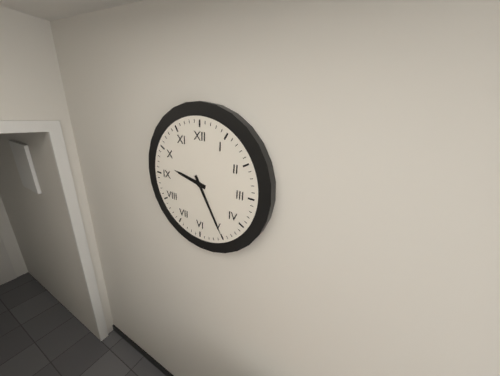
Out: 9h25
